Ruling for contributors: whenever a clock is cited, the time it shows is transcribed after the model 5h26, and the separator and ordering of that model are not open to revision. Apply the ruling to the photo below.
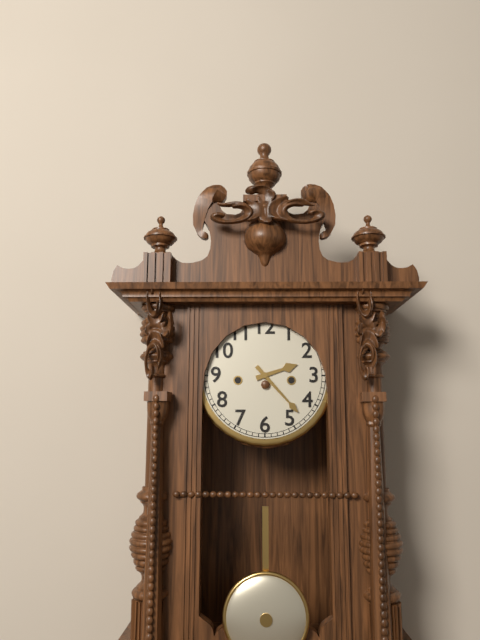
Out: 2h23
